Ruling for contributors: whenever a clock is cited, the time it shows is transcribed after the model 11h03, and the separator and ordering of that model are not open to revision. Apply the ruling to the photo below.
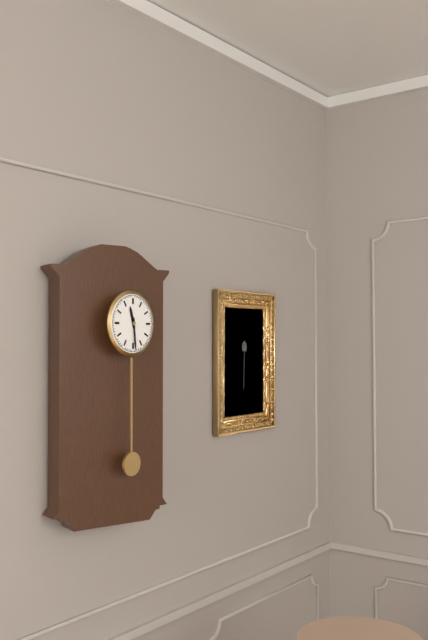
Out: 11h29
